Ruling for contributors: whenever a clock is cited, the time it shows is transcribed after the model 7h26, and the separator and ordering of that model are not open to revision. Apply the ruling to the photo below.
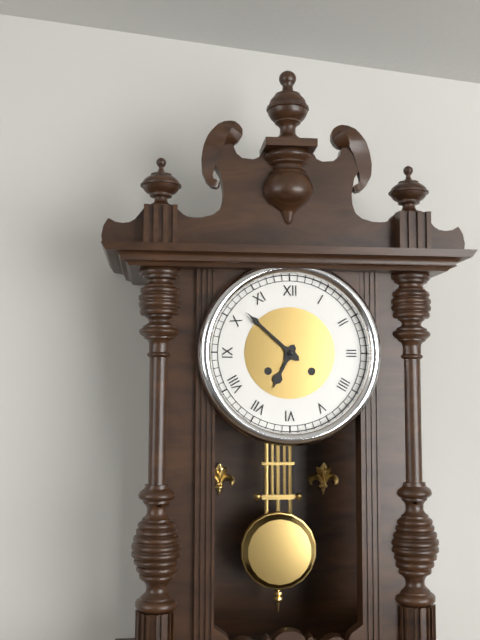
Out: 6h52
